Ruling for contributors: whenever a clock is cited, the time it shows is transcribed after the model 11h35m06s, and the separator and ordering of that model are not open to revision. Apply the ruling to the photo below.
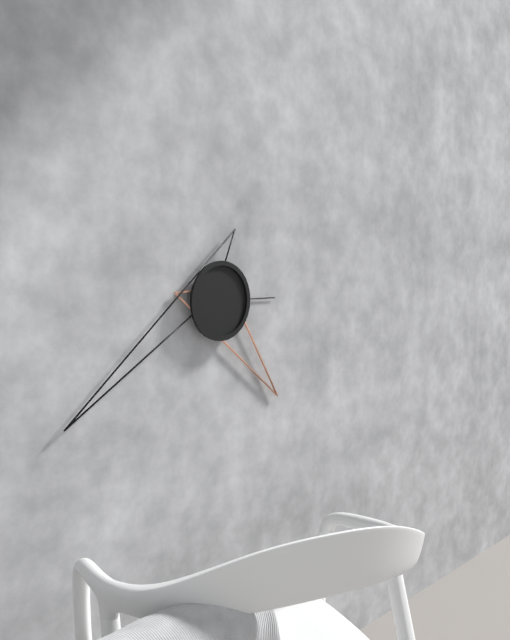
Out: 4h40m15s
